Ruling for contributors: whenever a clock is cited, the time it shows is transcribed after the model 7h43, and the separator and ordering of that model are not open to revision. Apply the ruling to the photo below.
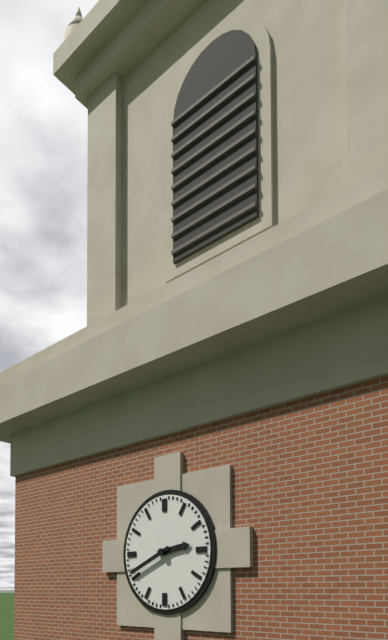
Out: 2h41
